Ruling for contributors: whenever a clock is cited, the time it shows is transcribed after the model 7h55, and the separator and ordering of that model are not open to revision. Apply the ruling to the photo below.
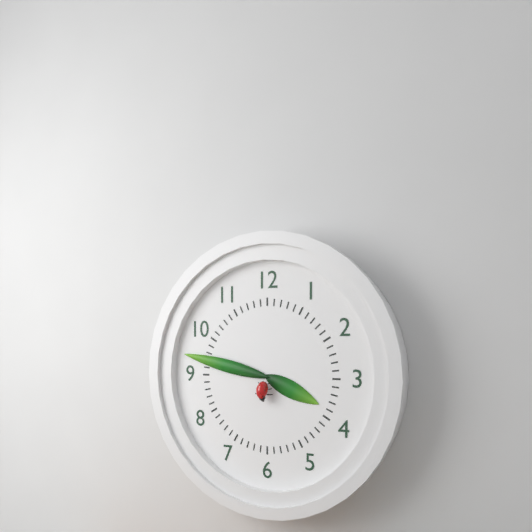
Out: 3h47
